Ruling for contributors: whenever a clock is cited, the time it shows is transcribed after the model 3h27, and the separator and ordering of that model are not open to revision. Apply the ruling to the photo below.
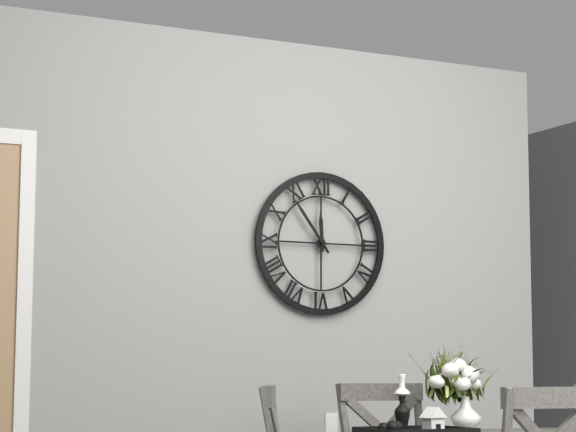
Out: 11h54
